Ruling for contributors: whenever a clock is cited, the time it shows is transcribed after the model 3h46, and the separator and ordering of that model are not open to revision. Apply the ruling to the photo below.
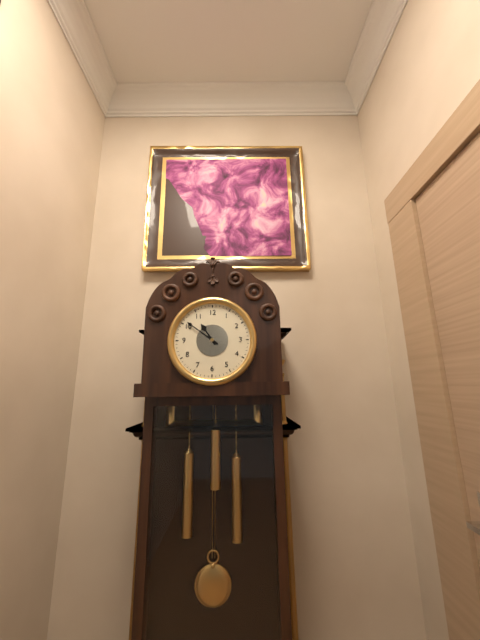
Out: 10h51
